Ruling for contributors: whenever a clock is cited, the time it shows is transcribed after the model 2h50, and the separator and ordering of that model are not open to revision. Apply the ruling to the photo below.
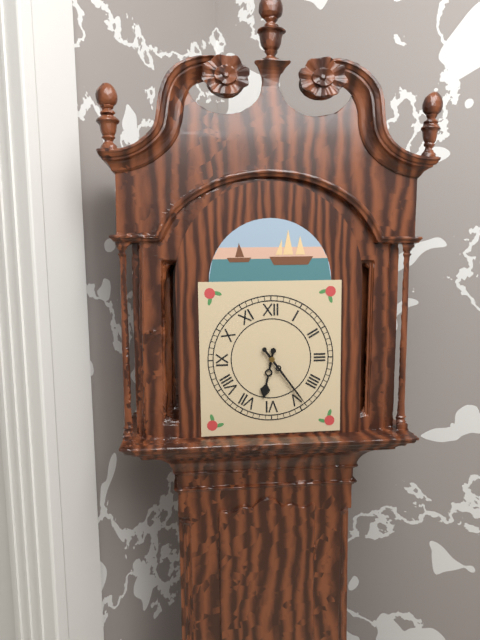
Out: 6h24
